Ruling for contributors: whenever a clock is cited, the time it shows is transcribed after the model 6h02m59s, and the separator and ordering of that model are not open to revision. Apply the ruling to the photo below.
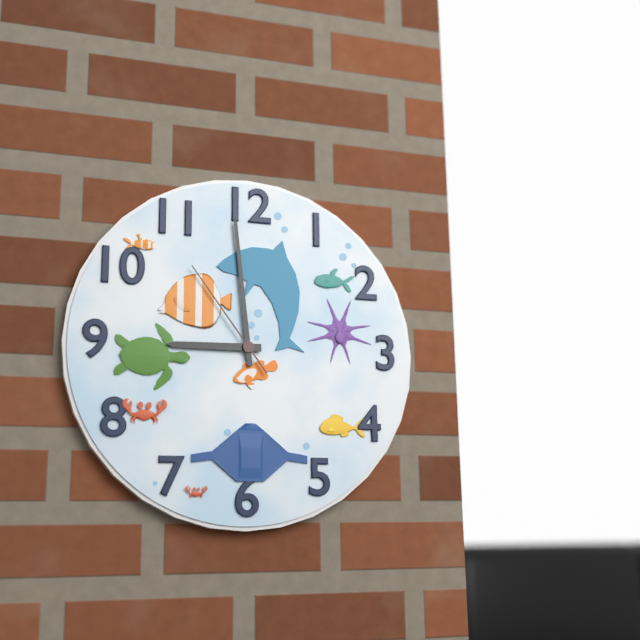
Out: 8h59m54s
